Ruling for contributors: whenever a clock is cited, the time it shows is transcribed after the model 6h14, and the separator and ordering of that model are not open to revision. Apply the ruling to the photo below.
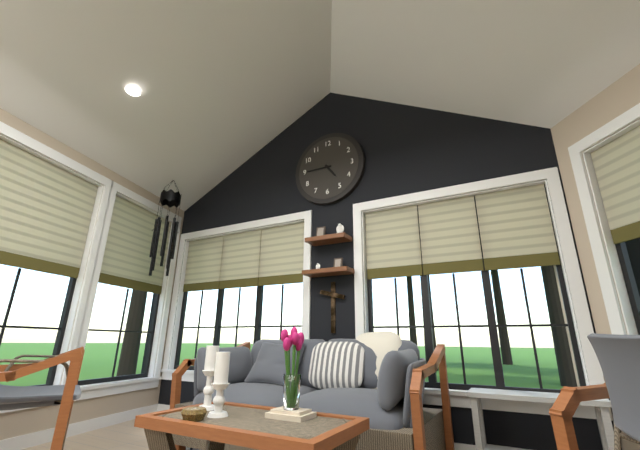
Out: 4h45
